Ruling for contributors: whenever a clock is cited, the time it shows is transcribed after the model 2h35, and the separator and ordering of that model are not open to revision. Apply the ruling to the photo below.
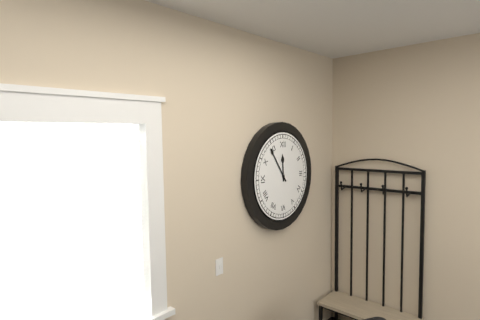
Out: 11h54
